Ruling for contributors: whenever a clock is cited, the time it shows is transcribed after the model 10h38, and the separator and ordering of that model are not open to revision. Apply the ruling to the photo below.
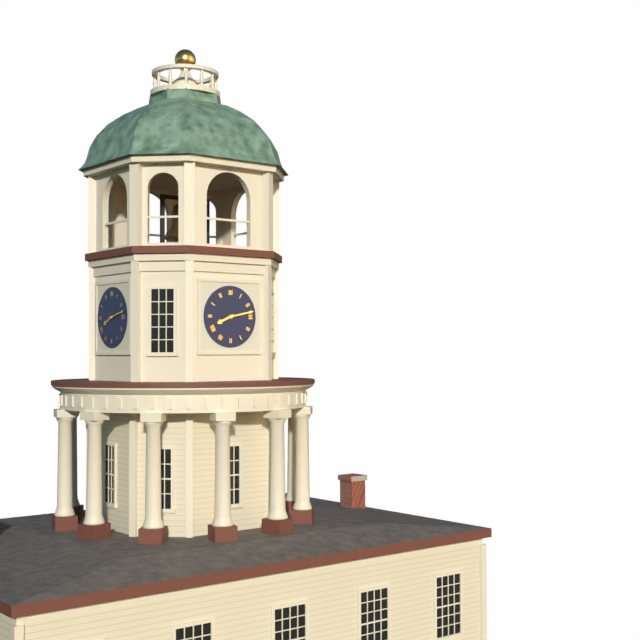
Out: 8h13
